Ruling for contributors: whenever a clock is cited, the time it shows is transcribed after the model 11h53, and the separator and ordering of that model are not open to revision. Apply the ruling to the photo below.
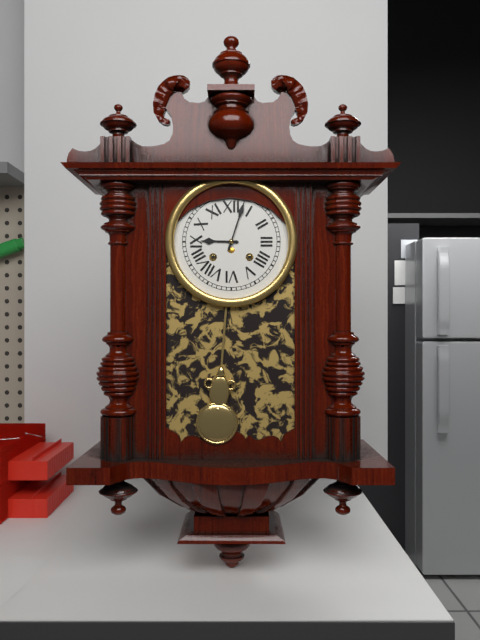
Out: 9h03
